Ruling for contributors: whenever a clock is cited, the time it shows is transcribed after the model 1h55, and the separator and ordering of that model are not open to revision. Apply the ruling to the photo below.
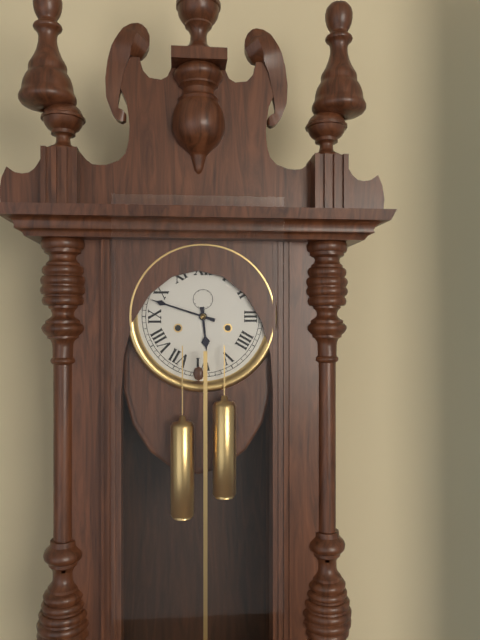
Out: 5h48
